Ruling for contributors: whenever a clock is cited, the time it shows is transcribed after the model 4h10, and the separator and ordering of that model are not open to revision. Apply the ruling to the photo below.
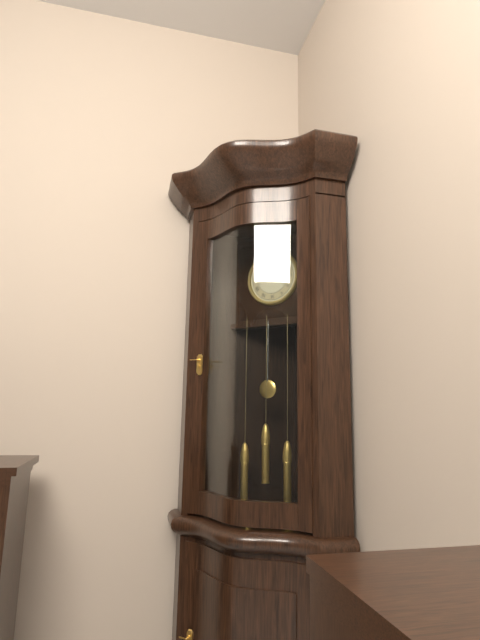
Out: 2h13
